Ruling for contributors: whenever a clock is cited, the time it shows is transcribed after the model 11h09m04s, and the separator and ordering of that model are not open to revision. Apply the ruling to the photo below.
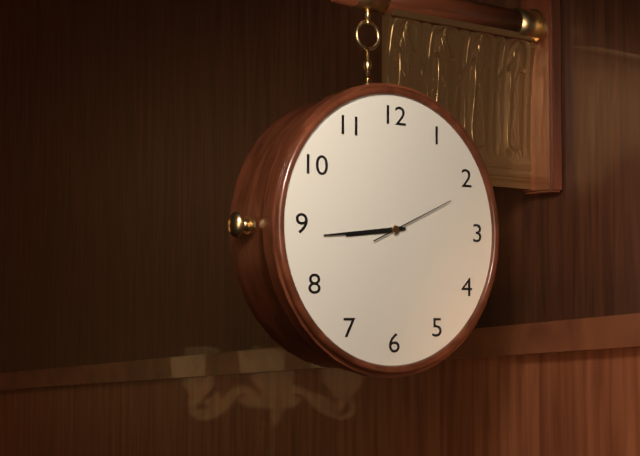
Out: 8h44m11s
